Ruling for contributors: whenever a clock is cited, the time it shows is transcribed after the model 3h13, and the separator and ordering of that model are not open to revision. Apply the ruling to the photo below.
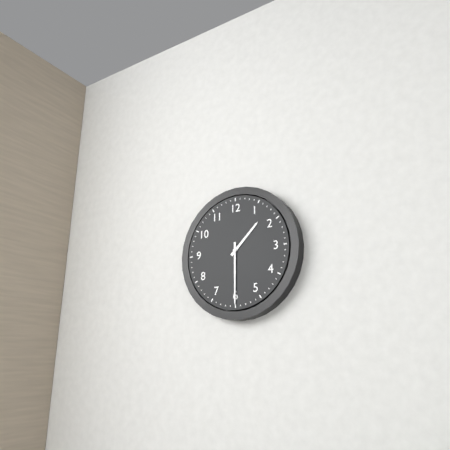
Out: 1h30
